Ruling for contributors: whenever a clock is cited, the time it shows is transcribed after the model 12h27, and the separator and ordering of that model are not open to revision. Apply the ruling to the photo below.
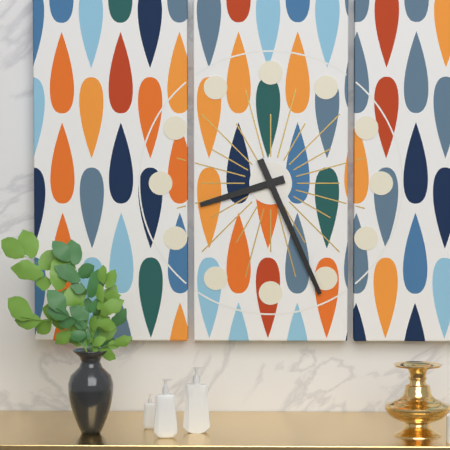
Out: 8h26
